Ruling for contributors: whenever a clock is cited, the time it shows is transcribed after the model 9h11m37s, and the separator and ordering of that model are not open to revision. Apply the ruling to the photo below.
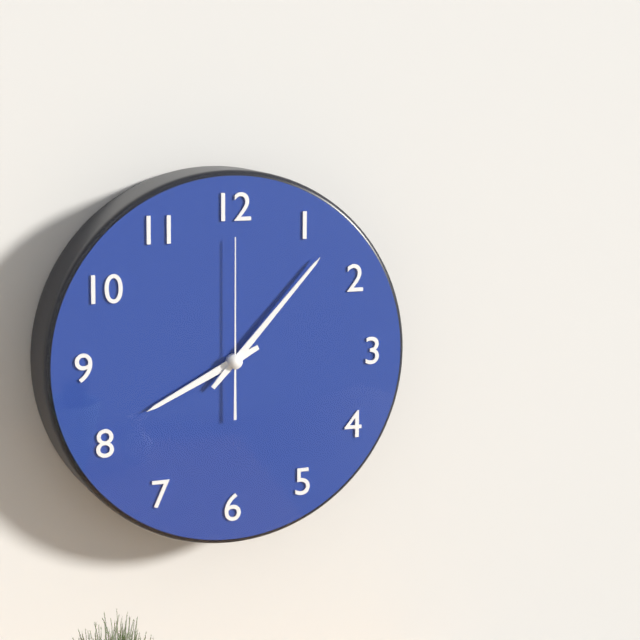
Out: 8h07m00s
